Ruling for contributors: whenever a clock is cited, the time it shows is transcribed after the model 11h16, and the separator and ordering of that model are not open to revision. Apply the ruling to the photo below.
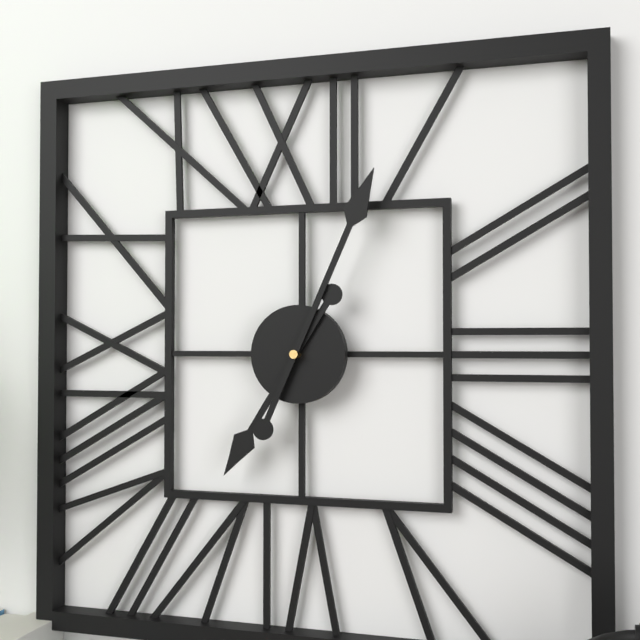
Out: 7h04
